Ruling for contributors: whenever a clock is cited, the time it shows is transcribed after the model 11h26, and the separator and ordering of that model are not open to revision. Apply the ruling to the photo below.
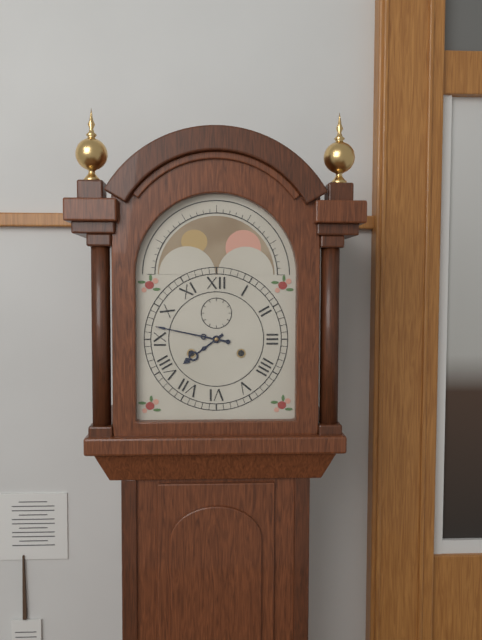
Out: 7h47
